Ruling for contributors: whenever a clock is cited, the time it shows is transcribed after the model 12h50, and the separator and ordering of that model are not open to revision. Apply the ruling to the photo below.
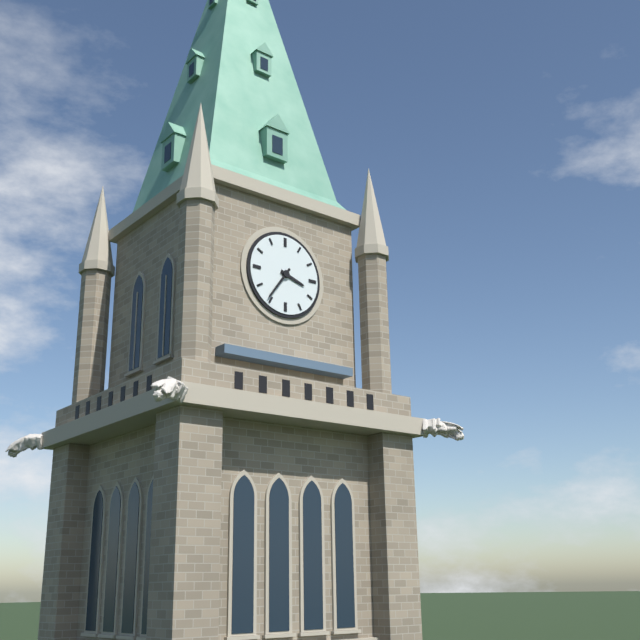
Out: 3h36
